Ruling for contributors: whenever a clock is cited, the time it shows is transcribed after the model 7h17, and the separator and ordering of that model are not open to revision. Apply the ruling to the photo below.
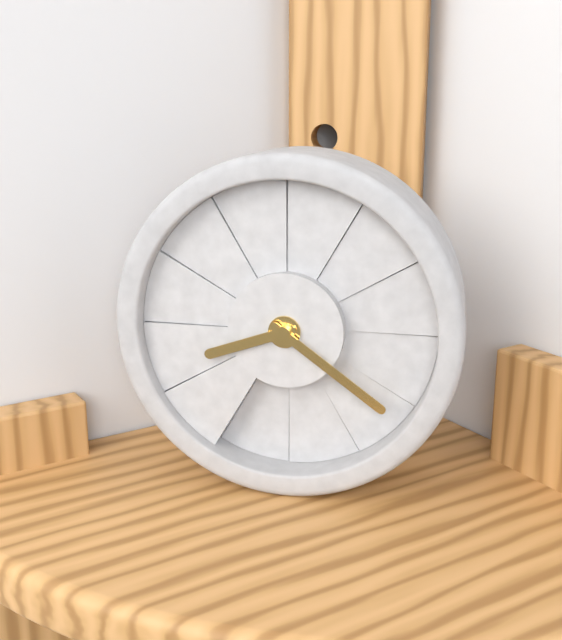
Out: 8h21
